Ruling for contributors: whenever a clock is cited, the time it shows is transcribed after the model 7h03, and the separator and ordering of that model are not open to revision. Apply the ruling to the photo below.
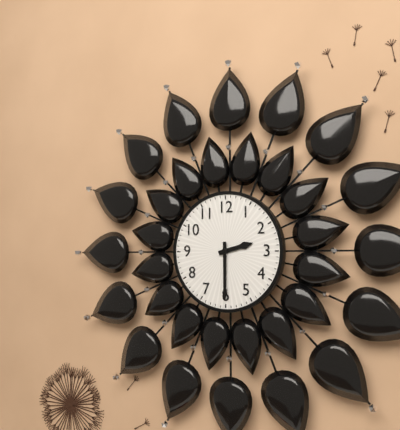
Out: 2h30
